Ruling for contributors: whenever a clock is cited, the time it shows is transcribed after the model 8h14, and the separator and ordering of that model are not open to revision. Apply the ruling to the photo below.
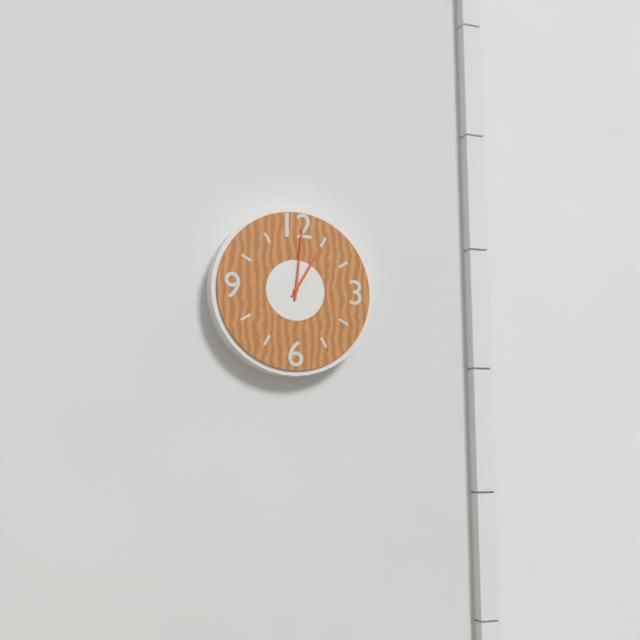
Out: 1h01
